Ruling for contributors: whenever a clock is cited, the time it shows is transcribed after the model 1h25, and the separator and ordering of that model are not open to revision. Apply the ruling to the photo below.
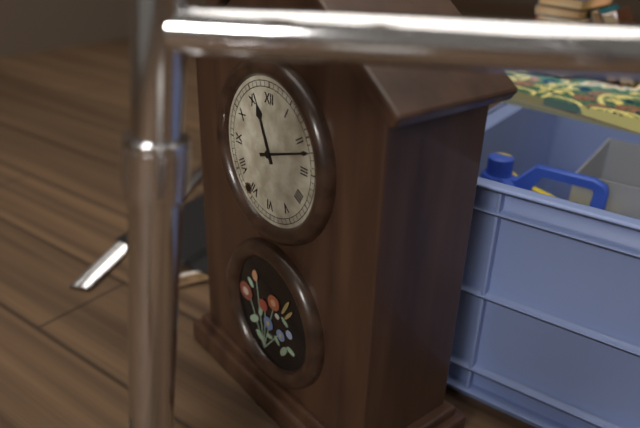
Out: 11h12
